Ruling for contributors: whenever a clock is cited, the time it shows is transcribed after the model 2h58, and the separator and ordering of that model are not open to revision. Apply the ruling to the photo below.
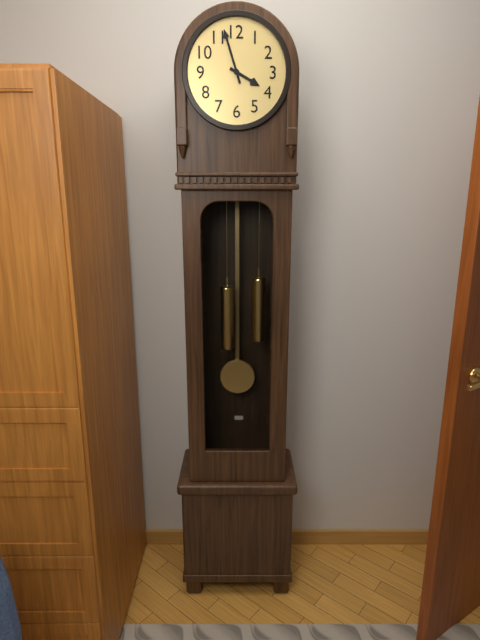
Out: 3h57
